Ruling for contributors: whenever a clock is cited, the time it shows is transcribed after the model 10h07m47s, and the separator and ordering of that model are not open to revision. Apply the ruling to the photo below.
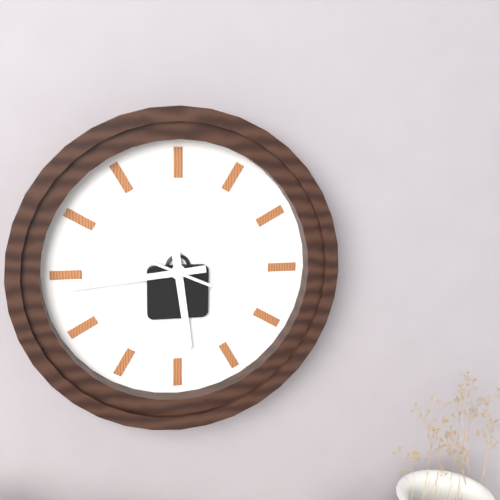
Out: 5h44m49s
